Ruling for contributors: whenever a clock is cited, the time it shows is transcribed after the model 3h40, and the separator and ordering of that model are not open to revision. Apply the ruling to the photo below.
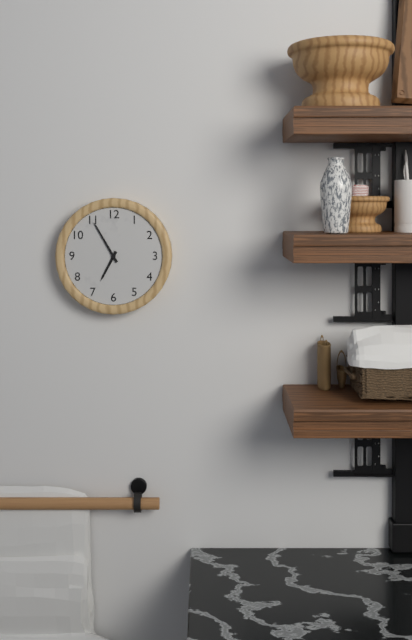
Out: 6h55
